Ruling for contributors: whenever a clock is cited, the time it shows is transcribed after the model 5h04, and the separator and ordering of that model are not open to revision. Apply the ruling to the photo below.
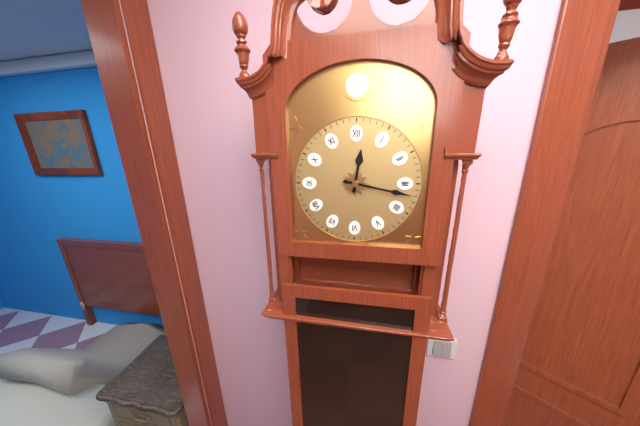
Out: 12h17
